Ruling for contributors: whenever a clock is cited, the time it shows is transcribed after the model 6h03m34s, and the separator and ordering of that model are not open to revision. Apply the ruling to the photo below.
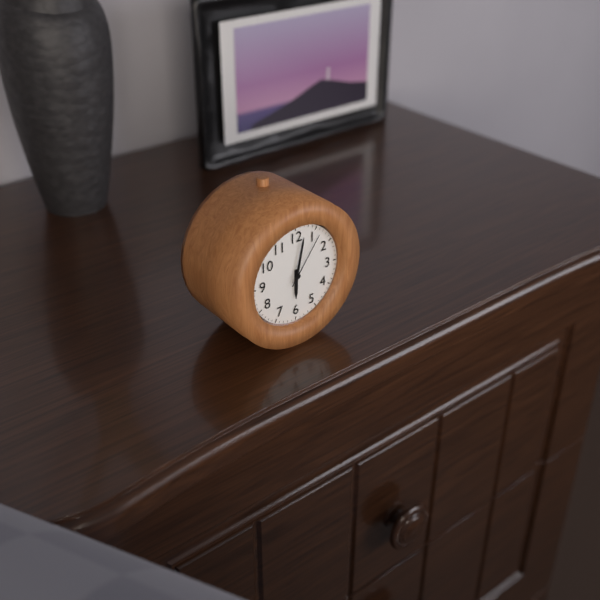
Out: 6h02m06s
